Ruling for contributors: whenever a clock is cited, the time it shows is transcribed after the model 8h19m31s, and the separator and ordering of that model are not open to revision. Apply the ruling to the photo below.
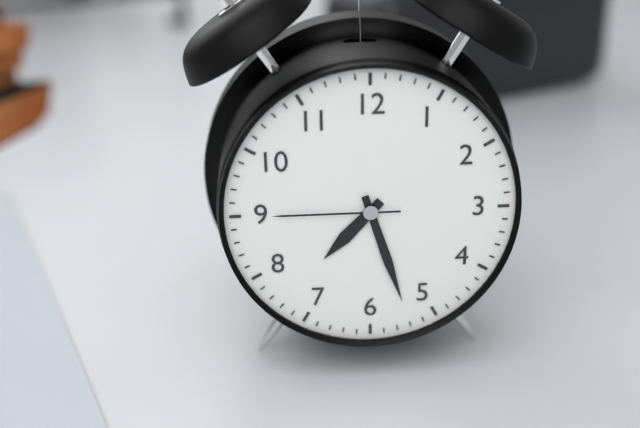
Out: 7h27m45s
